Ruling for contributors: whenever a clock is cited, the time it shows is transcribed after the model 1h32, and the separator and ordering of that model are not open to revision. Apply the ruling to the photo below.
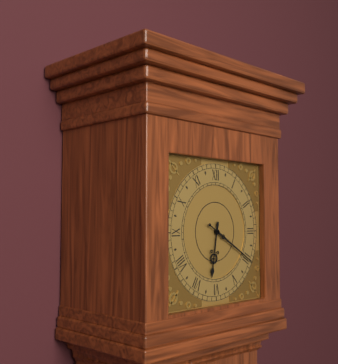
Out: 6h20
